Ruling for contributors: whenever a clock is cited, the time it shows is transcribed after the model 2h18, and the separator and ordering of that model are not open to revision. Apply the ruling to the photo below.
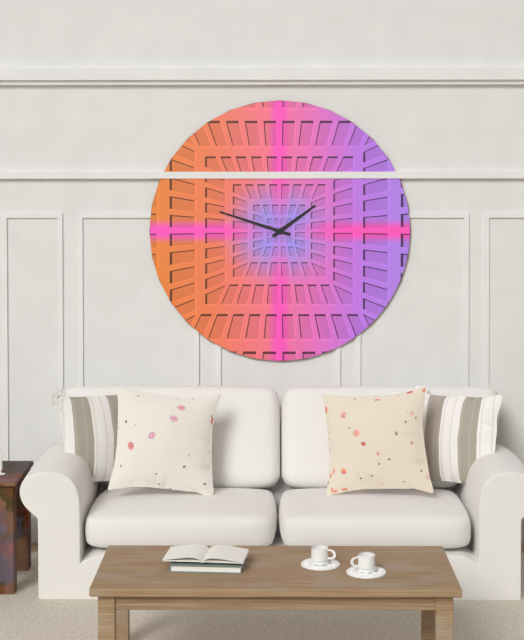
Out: 1h48
